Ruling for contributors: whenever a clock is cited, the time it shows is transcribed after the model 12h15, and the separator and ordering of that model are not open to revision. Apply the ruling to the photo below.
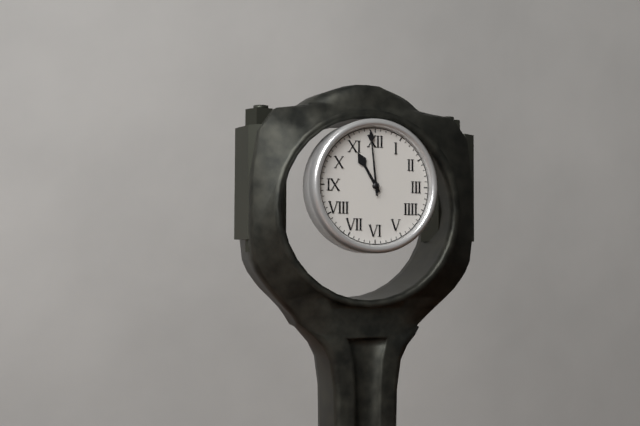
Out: 10h59
